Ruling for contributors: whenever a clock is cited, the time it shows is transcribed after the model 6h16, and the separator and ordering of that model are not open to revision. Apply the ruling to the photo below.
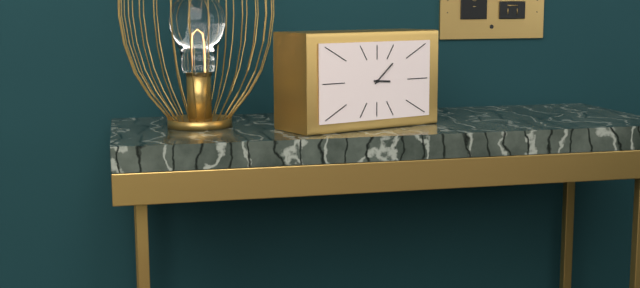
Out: 3h08
